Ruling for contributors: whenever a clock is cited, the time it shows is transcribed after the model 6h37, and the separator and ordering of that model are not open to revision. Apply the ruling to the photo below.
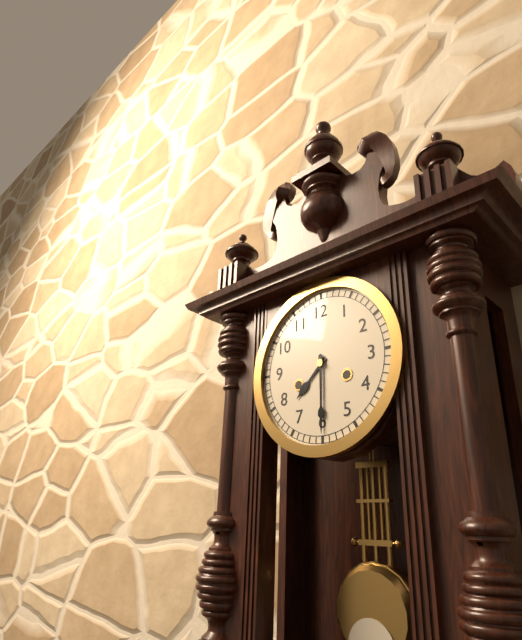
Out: 7h30
